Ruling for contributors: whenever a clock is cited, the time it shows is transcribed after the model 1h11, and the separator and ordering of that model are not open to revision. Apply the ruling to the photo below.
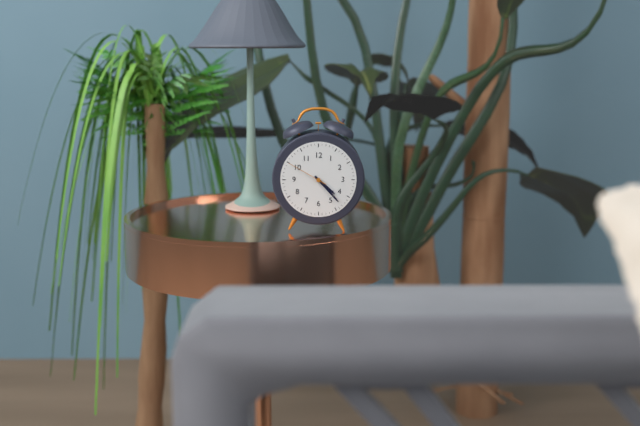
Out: 4h23
